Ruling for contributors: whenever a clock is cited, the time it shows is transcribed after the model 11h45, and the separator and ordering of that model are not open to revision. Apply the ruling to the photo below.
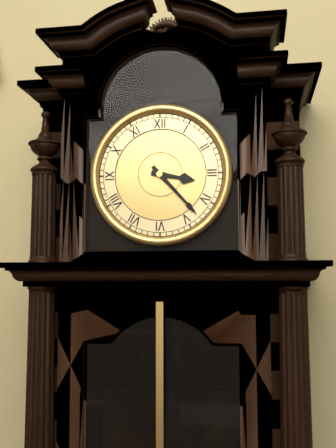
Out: 3h23
